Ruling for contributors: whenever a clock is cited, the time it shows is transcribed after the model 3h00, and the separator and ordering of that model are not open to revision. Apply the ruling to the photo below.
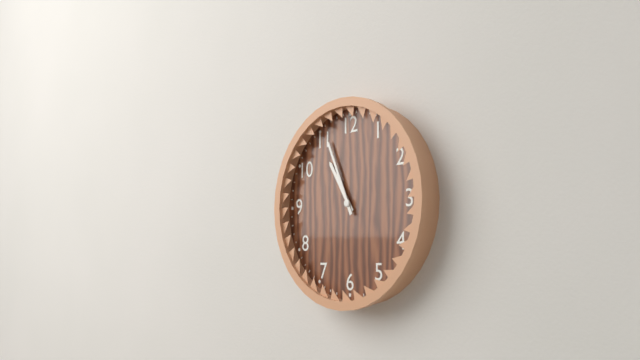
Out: 10h56
